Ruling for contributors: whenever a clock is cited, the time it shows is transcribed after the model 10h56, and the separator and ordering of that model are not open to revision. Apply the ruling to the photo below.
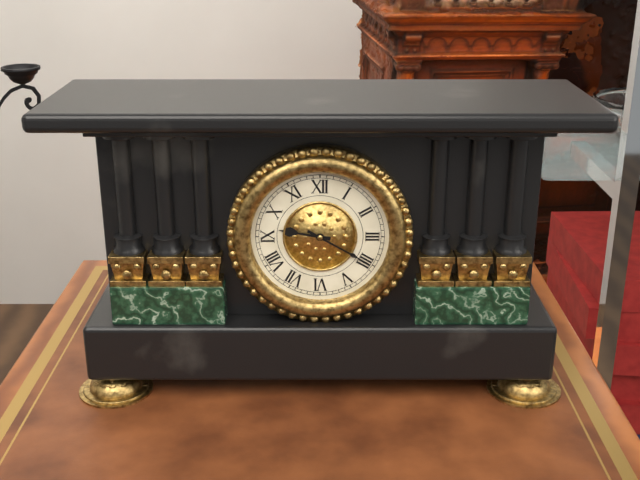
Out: 9h20
